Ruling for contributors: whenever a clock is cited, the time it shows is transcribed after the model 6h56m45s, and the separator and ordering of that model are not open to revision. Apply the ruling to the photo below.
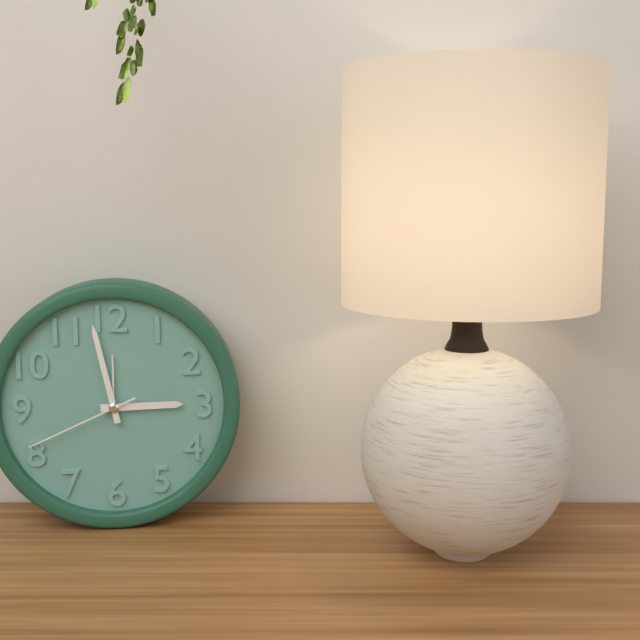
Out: 2h58m41s
